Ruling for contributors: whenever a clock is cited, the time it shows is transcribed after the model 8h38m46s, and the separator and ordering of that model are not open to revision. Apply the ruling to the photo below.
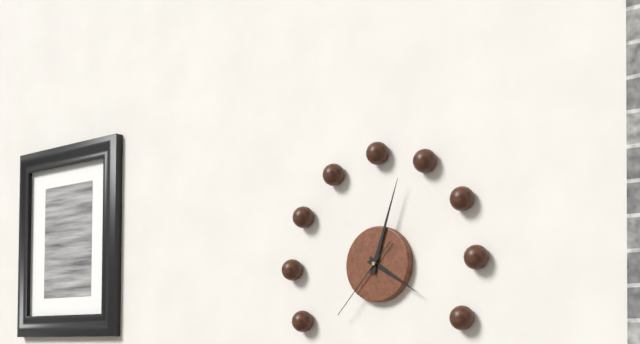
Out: 4h03m37s
